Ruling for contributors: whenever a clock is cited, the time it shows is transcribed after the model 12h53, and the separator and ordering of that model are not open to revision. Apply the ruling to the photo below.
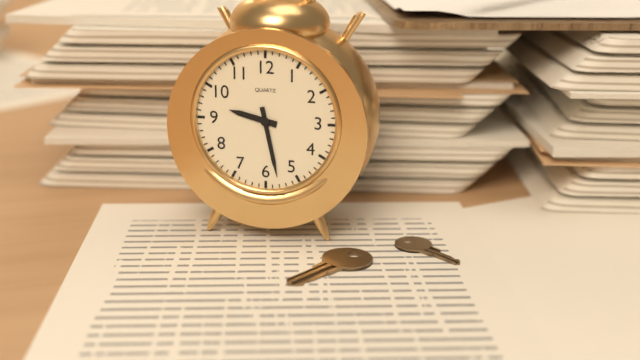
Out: 9h28
